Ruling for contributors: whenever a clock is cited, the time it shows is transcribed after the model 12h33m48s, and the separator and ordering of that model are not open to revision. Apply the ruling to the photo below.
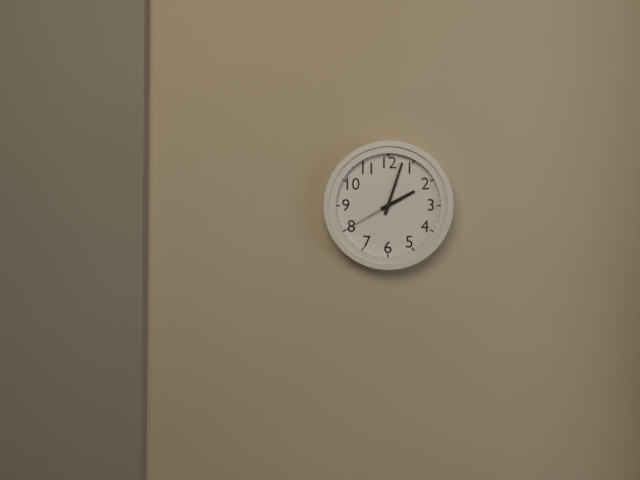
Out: 2h03m40s
